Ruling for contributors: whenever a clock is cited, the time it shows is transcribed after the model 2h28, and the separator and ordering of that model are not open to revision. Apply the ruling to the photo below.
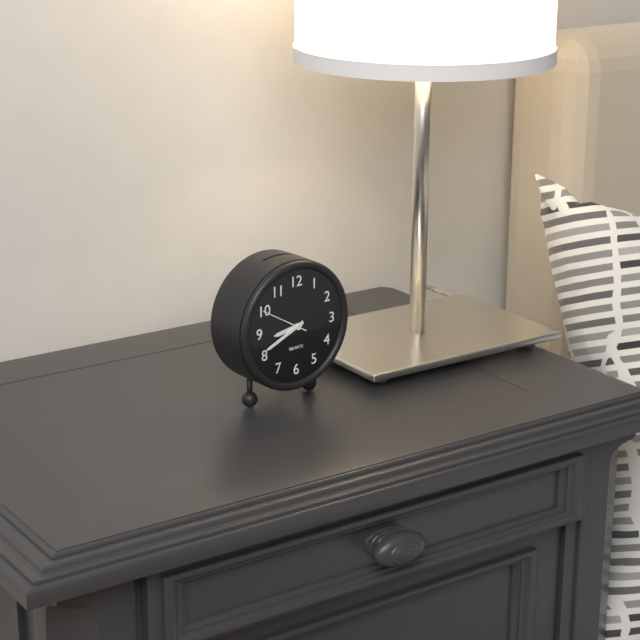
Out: 8h41
